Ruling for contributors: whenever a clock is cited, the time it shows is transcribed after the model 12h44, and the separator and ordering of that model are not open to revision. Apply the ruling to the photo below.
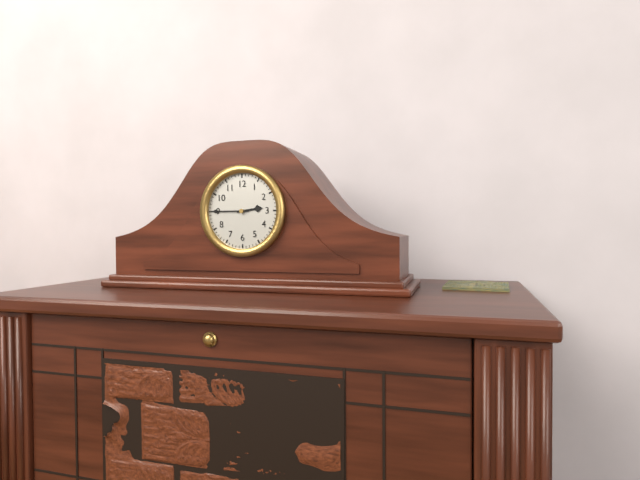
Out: 2h45
